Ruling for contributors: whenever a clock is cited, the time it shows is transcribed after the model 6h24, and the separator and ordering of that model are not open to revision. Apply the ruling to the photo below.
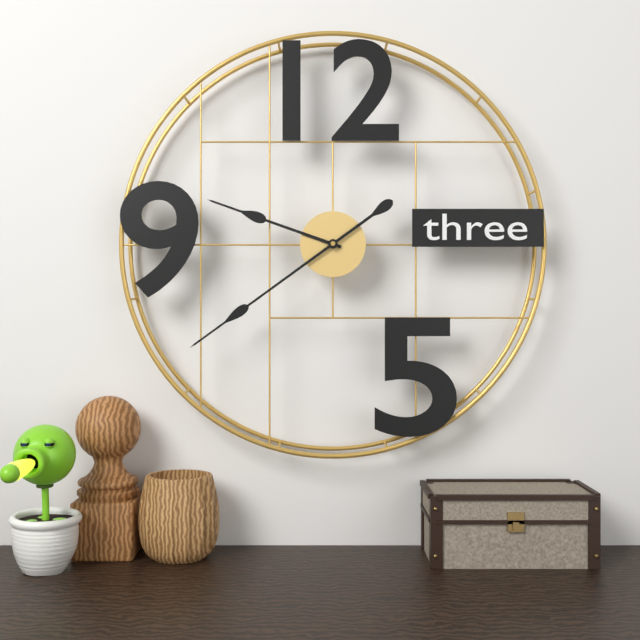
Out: 9h39
